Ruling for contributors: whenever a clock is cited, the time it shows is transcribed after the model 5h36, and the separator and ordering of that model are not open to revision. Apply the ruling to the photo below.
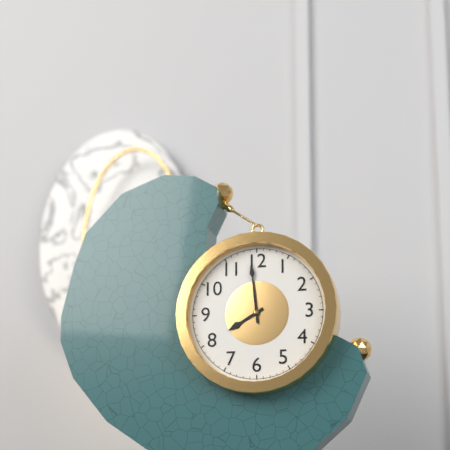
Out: 7h59
